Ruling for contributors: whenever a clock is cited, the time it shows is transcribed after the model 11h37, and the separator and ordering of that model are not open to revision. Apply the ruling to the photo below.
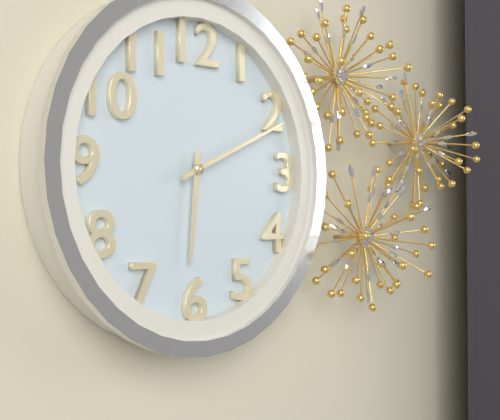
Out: 6h11
